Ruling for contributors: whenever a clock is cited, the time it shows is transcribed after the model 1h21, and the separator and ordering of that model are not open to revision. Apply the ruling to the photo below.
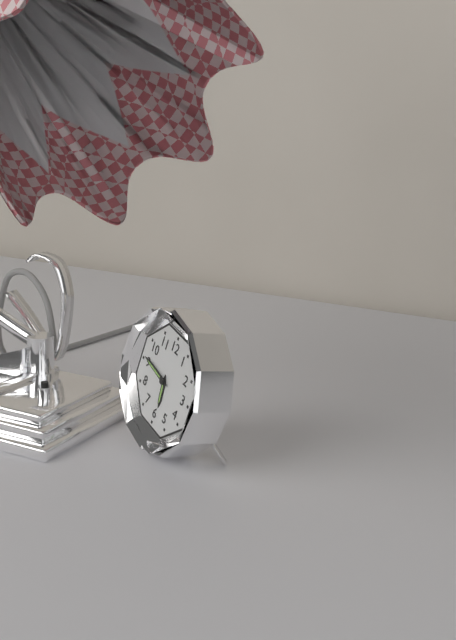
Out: 5h46
